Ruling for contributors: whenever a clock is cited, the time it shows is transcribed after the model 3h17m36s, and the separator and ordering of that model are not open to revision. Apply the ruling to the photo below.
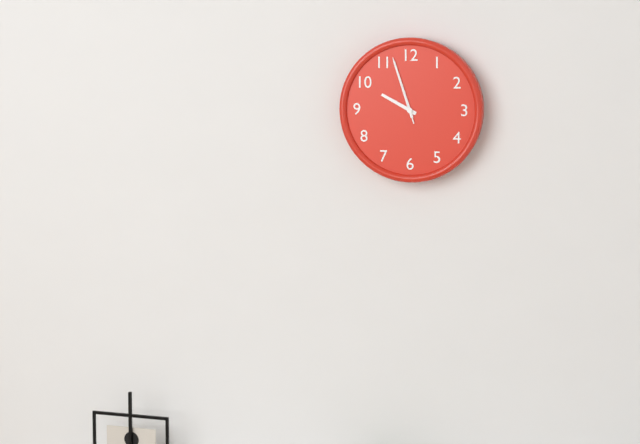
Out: 9h57m57s
